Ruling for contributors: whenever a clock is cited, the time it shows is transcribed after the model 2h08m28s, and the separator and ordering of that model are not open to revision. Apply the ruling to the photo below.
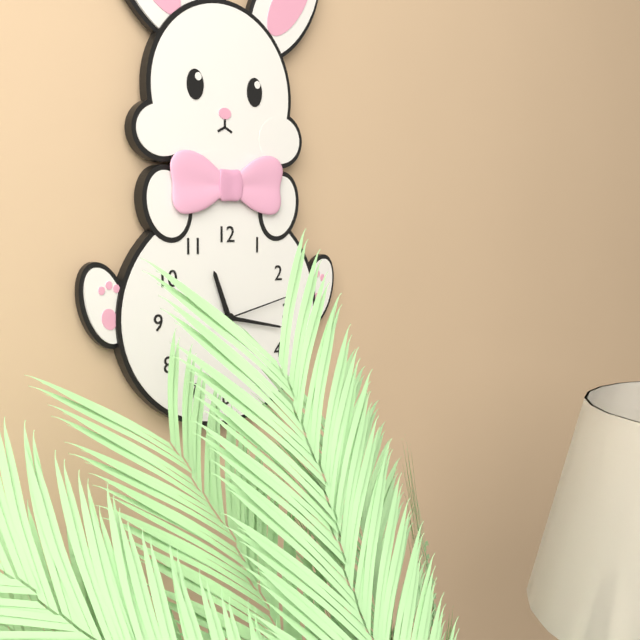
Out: 11h17m13s
